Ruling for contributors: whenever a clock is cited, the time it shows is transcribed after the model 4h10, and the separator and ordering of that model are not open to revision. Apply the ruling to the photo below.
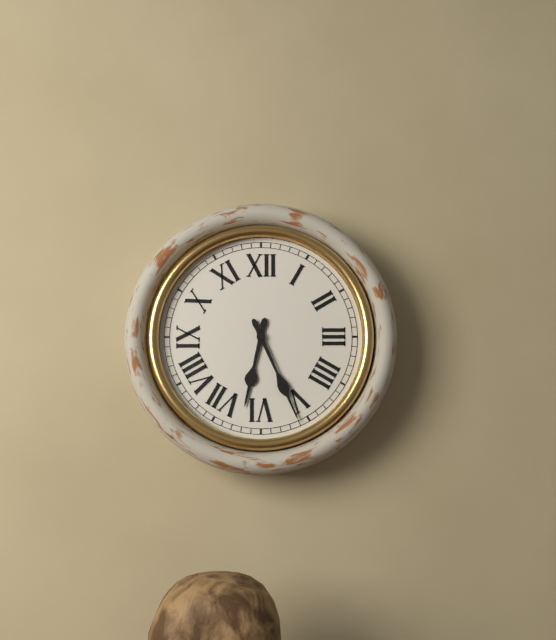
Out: 6h26
